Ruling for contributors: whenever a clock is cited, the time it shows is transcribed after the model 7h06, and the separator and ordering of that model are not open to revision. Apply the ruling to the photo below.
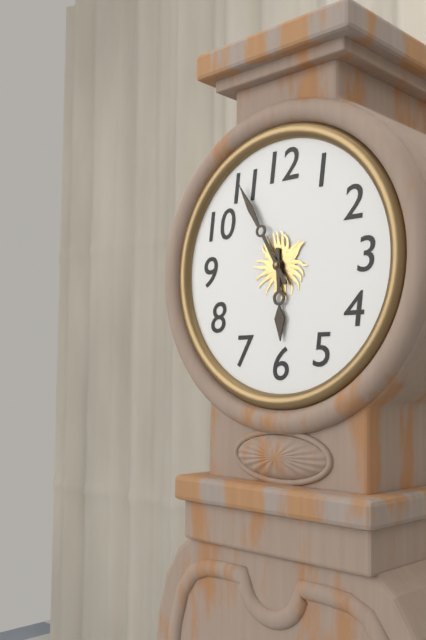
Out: 5h55
